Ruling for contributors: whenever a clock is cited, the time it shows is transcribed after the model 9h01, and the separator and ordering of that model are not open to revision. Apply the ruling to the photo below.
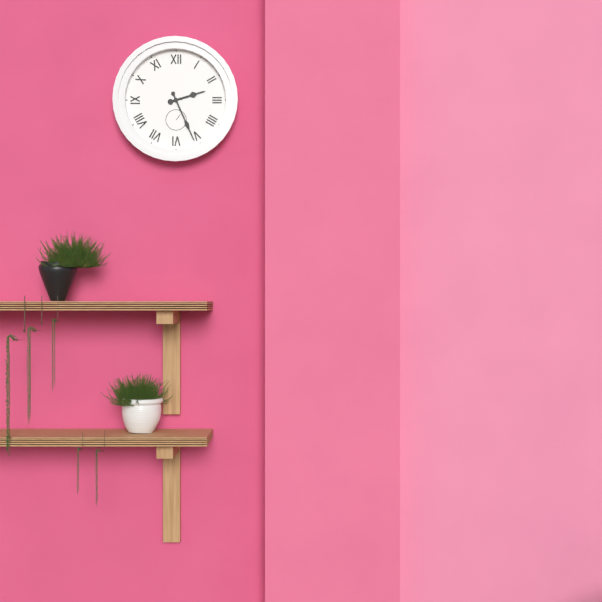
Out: 2h26
